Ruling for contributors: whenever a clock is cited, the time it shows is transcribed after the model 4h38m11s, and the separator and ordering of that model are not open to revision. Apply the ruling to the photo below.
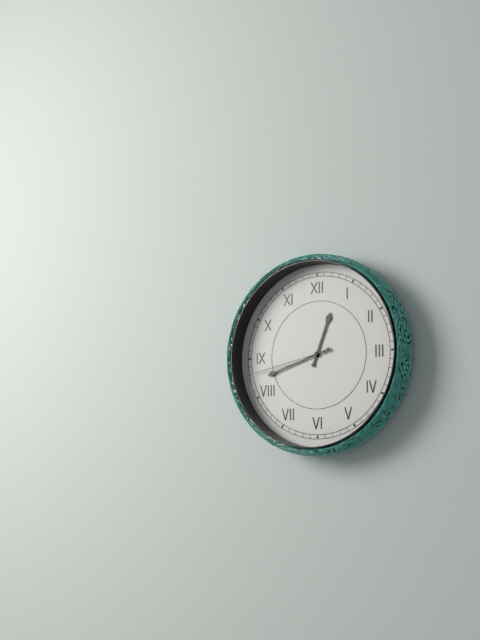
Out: 12h42m43s
